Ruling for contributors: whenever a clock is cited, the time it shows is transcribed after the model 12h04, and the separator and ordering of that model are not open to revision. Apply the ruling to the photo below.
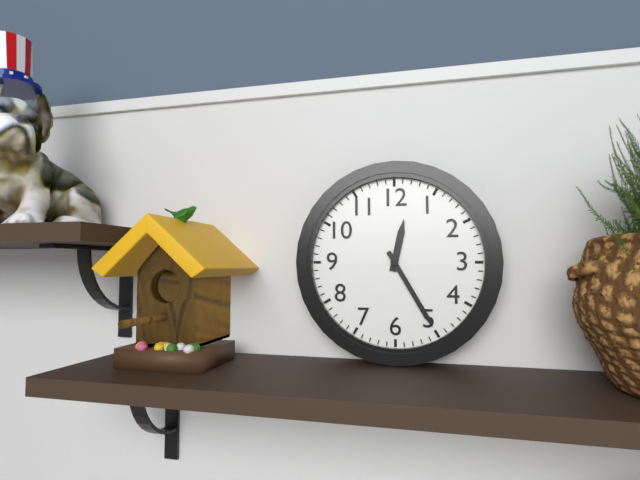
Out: 12h25
